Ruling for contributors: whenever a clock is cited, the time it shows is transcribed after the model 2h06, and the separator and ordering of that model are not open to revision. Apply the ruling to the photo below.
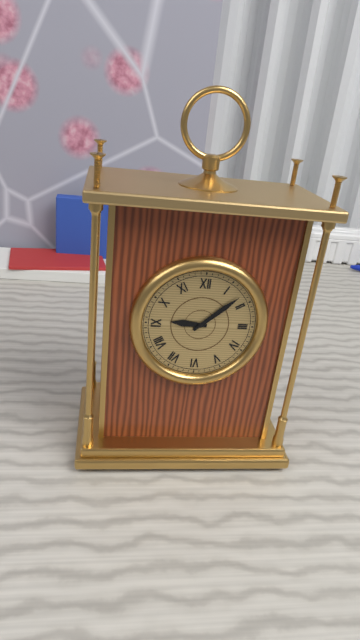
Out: 9h08
